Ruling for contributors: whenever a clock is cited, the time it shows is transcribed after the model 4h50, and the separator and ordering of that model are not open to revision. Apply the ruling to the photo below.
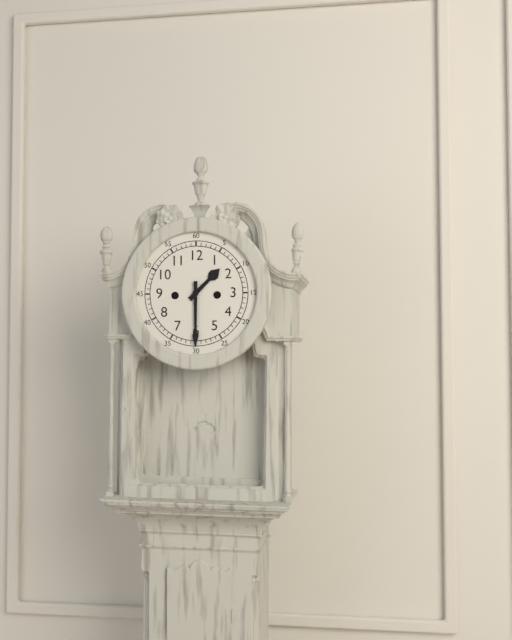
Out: 1h30
